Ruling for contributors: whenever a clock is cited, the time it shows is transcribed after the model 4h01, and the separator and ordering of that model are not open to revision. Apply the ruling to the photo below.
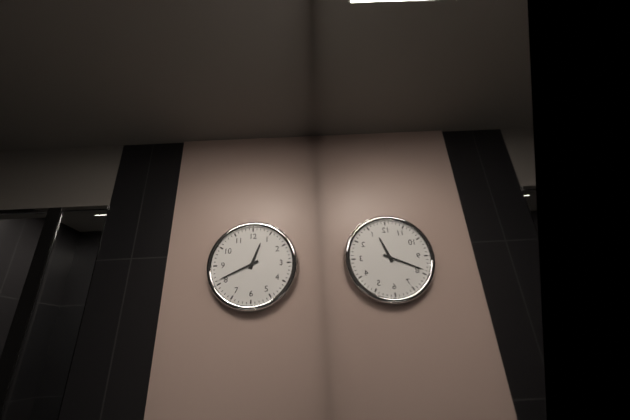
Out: 12h41
